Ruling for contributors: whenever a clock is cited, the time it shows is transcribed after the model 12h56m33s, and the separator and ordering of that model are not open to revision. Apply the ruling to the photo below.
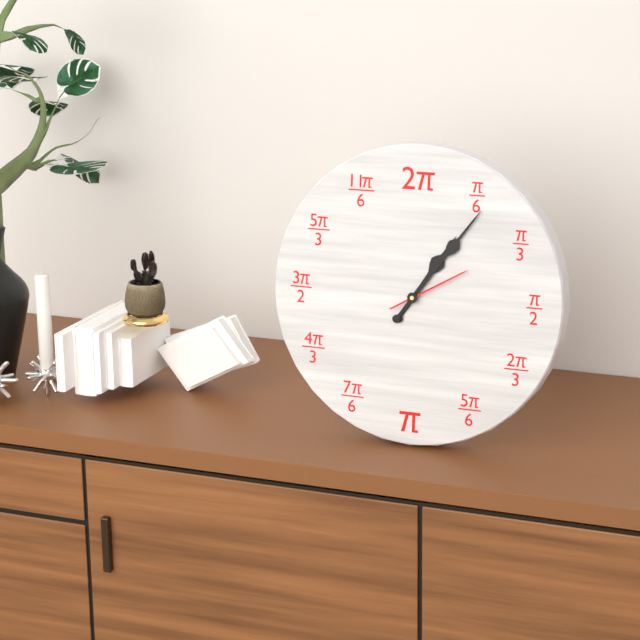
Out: 1h06m10s
